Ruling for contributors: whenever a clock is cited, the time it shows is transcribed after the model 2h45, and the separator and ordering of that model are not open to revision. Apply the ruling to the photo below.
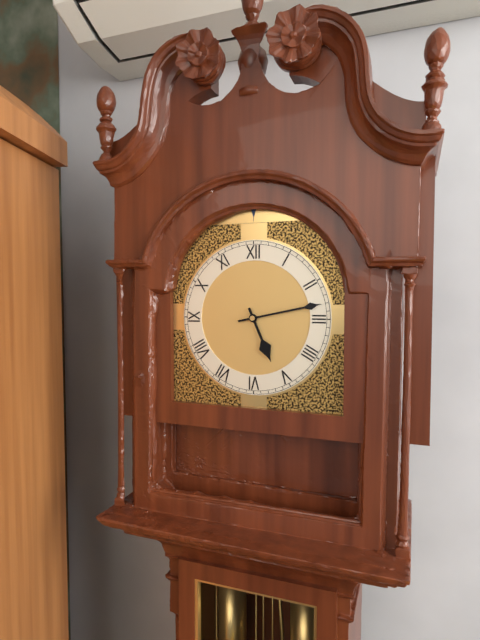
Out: 5h13
